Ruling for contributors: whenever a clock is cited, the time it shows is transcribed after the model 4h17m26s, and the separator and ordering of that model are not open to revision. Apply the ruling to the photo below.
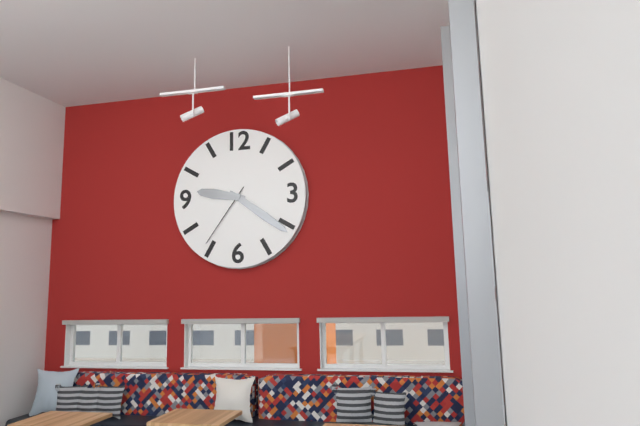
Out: 9h21m36s
